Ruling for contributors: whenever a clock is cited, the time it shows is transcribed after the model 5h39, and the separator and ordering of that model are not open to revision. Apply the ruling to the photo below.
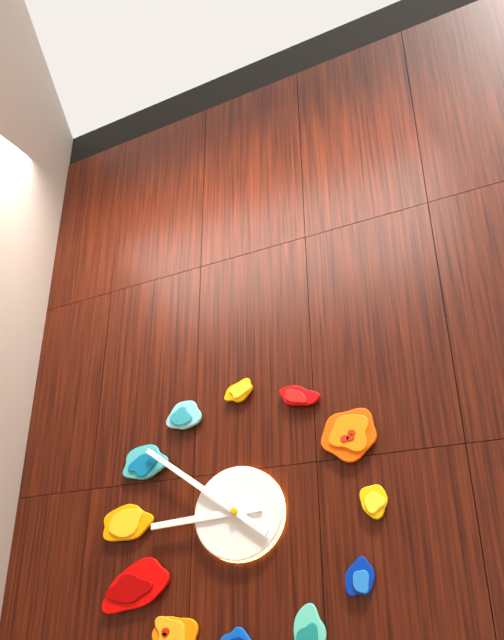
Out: 8h51
